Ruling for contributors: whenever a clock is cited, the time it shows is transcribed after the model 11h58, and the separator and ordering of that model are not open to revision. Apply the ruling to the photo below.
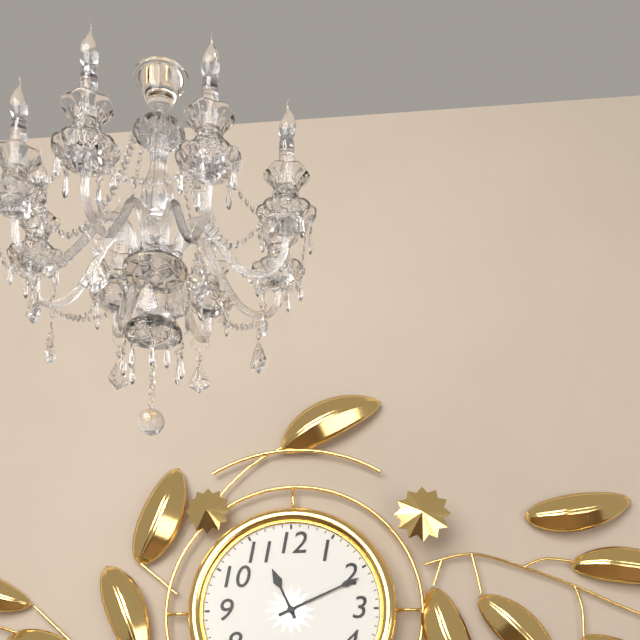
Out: 11h11
